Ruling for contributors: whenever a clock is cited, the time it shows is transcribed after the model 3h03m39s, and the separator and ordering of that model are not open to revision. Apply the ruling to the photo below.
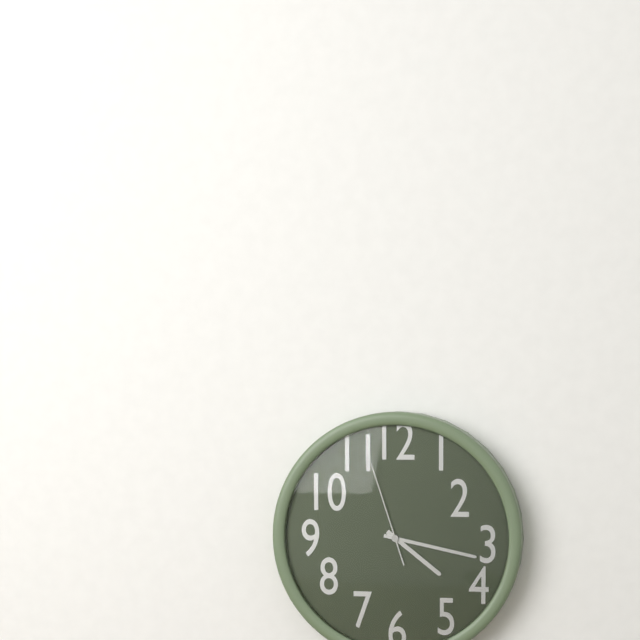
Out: 4h17m57s
